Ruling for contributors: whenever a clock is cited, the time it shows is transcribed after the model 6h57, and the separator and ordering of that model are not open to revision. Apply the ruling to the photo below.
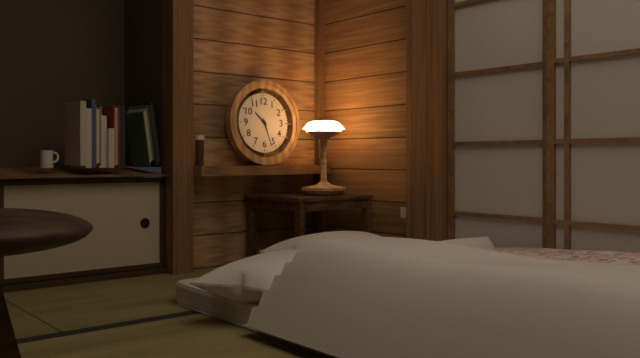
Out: 10h27
